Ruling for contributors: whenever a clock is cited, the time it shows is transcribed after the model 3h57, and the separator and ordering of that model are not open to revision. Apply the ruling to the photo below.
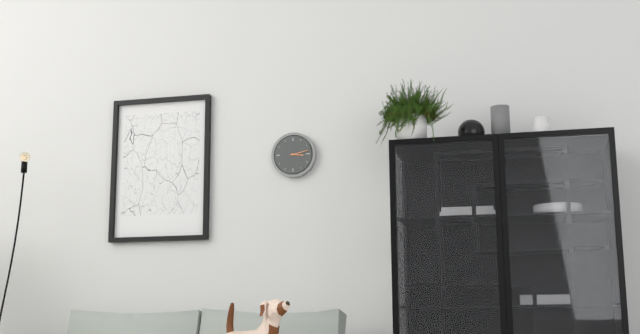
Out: 3h13
